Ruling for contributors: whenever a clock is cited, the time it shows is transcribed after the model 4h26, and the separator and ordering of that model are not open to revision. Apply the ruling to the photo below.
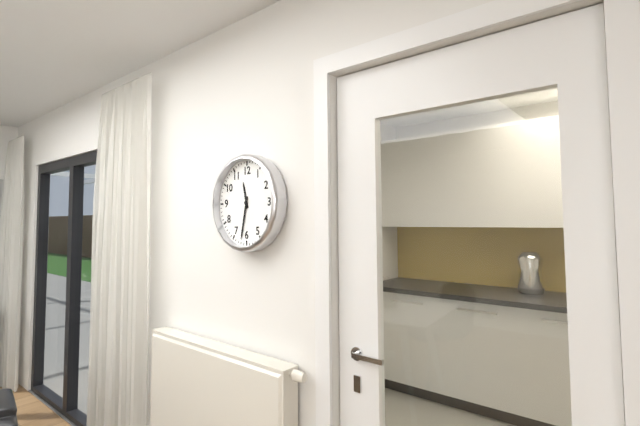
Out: 11h32
